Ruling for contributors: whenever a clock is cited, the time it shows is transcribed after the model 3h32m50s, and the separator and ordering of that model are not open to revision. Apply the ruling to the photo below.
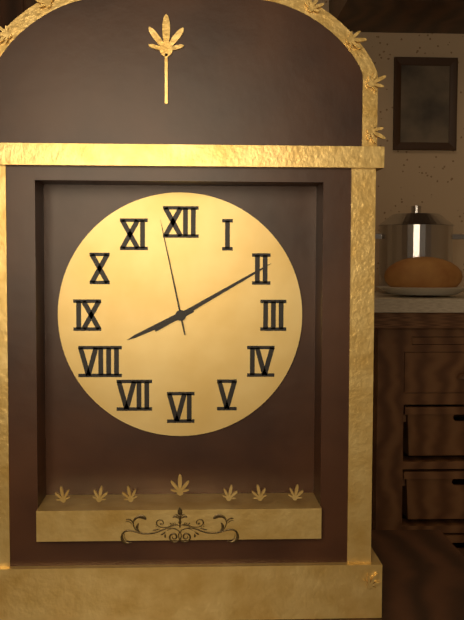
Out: 8h10m58s
